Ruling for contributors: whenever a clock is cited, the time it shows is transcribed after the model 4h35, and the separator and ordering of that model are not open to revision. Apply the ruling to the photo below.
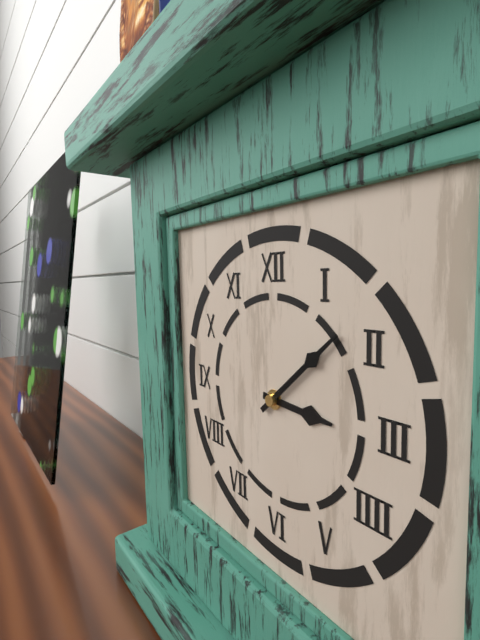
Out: 3h08
